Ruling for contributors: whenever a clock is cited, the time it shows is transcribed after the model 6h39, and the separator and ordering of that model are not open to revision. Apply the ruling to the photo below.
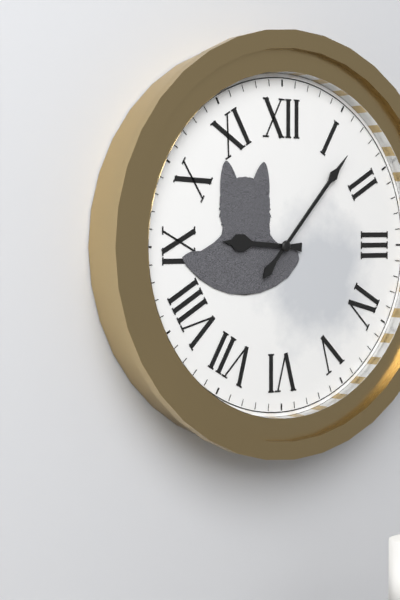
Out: 9h07
